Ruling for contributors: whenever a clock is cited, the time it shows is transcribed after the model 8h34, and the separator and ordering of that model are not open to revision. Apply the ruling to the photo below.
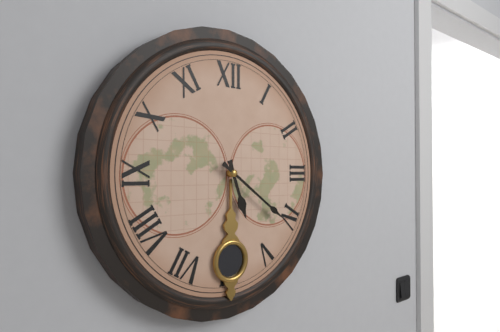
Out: 5h21
